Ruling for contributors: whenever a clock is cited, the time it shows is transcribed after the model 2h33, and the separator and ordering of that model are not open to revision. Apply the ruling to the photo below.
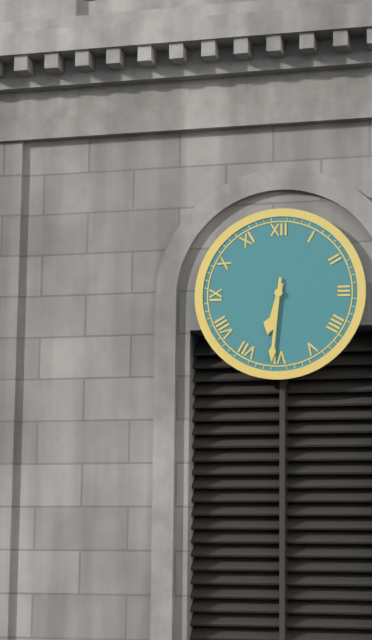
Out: 6h31
